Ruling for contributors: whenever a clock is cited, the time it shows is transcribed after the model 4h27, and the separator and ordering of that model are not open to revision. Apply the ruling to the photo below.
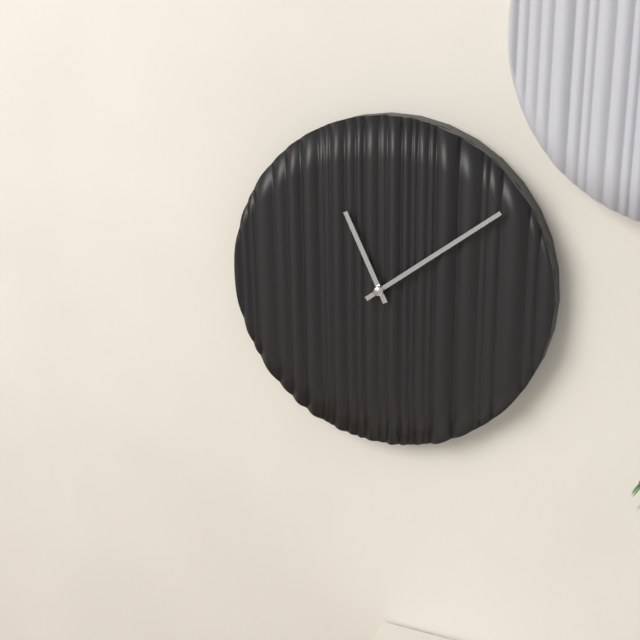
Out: 11h09
